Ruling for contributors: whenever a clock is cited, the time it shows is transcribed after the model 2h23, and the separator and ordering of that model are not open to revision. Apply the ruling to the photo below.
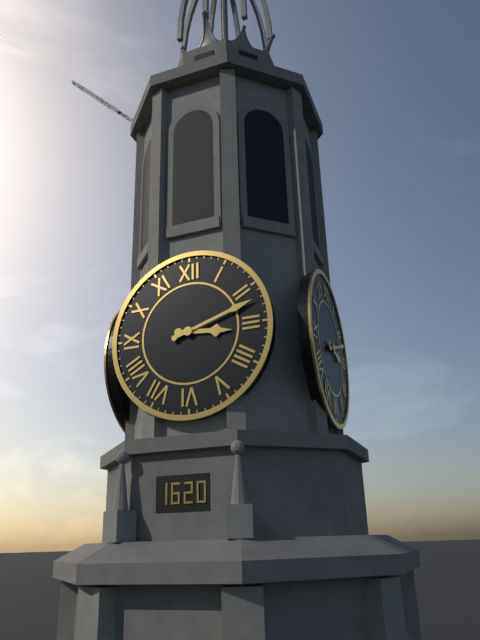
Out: 3h12
